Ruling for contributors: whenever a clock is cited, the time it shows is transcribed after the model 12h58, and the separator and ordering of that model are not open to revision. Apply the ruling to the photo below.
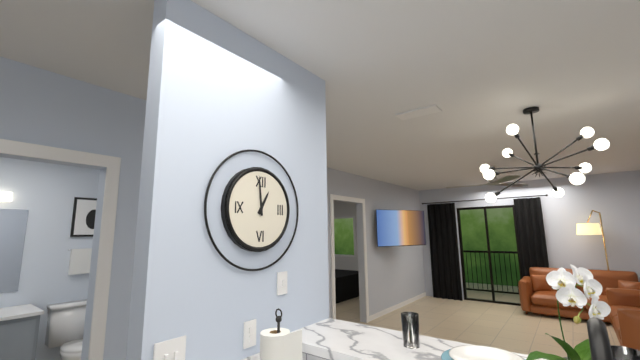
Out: 12h59
